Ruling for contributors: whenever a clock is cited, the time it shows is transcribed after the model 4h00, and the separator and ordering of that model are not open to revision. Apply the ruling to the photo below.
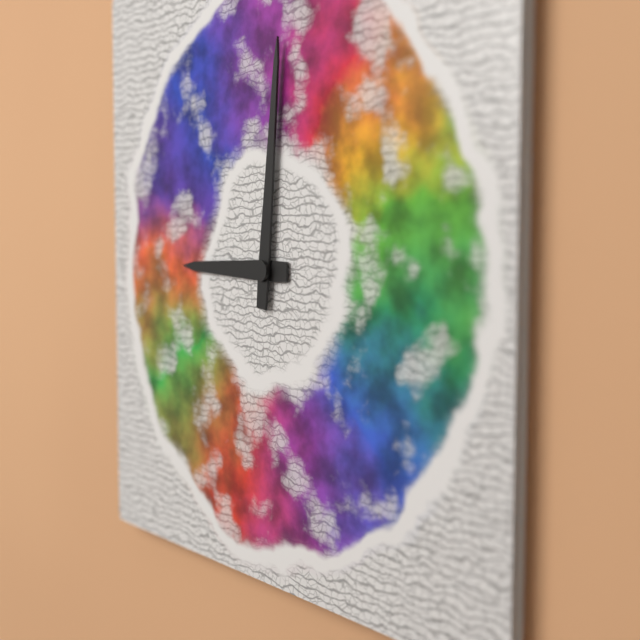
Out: 9h01
